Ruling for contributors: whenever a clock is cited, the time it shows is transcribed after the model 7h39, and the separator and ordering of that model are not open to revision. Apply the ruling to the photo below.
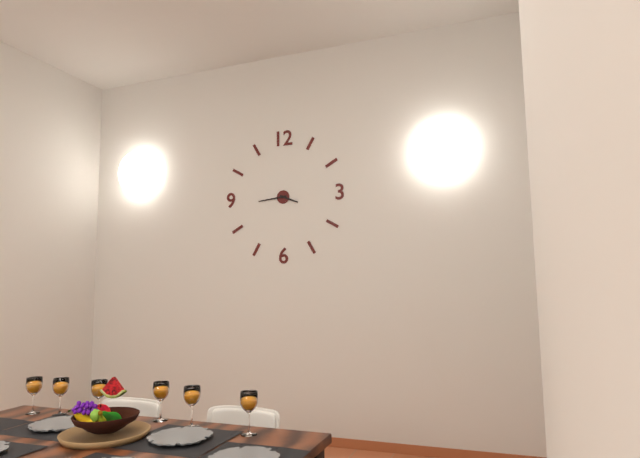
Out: 3h44
